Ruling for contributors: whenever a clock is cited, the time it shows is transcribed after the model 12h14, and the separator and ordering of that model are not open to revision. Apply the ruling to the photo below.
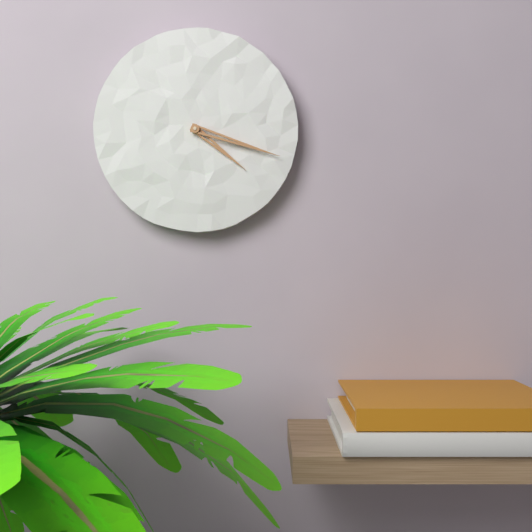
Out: 4h18
